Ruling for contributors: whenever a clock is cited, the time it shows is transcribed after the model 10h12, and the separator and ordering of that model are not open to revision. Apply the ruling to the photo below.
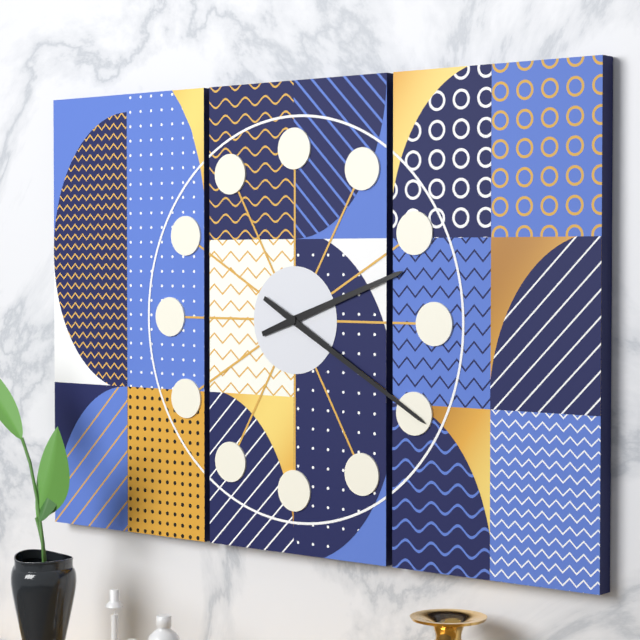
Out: 2h20
